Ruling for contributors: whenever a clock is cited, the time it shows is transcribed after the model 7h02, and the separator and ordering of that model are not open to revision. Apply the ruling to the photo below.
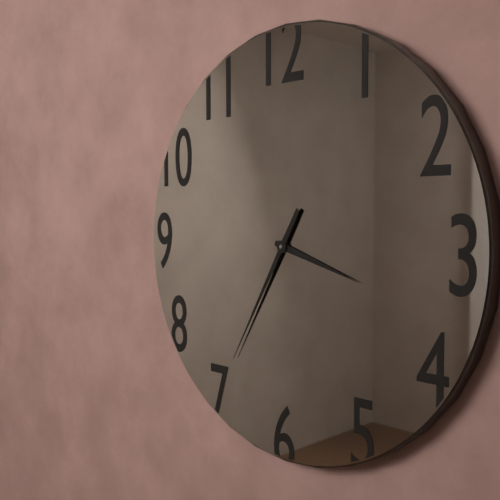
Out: 3h35
